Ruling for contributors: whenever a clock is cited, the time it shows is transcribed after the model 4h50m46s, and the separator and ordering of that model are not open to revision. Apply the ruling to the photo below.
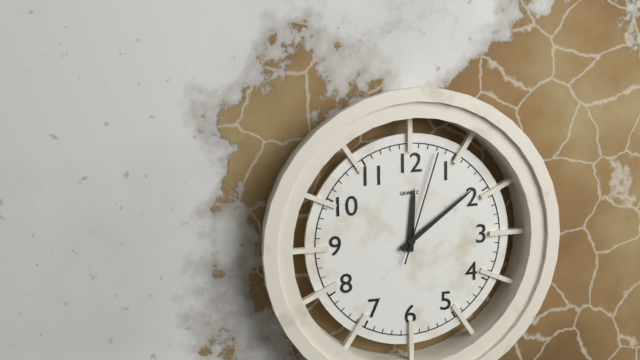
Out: 12h09m03s
